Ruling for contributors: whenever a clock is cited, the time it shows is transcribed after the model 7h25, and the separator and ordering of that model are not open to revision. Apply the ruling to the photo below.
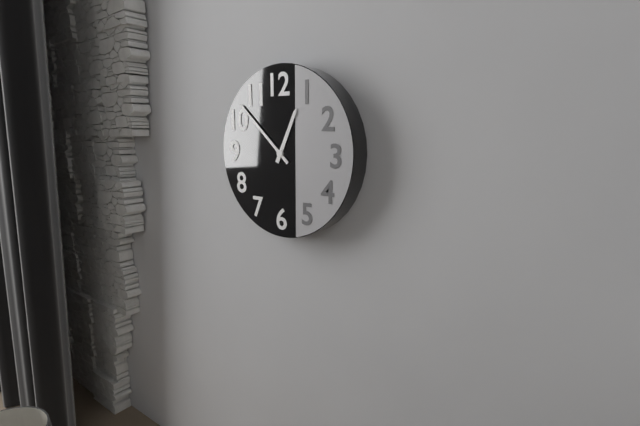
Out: 12h52
